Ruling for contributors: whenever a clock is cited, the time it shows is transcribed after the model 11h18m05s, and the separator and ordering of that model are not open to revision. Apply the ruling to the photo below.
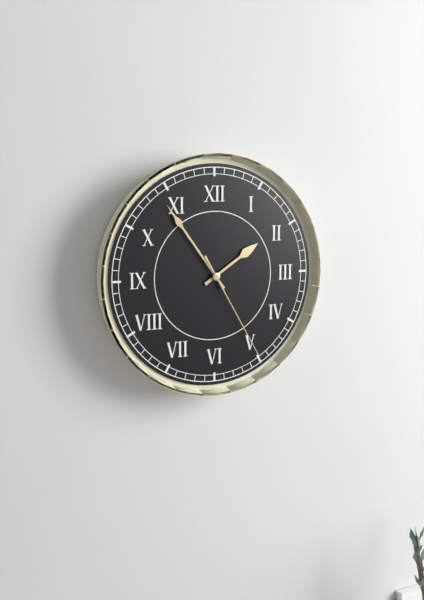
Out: 1h54m25s
